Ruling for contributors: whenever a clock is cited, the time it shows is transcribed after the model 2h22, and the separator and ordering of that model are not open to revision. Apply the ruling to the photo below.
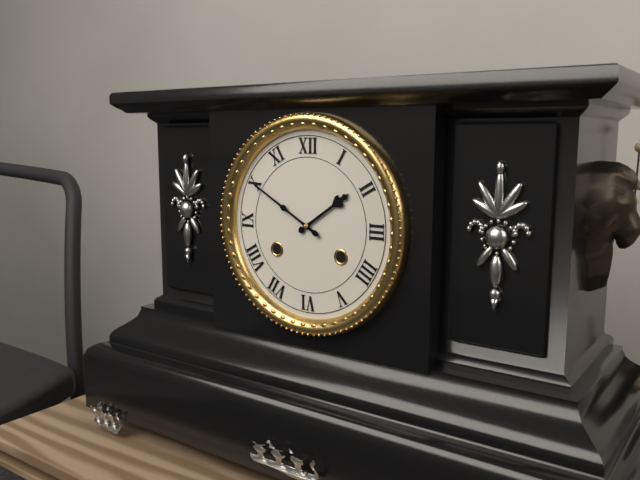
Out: 1h50
